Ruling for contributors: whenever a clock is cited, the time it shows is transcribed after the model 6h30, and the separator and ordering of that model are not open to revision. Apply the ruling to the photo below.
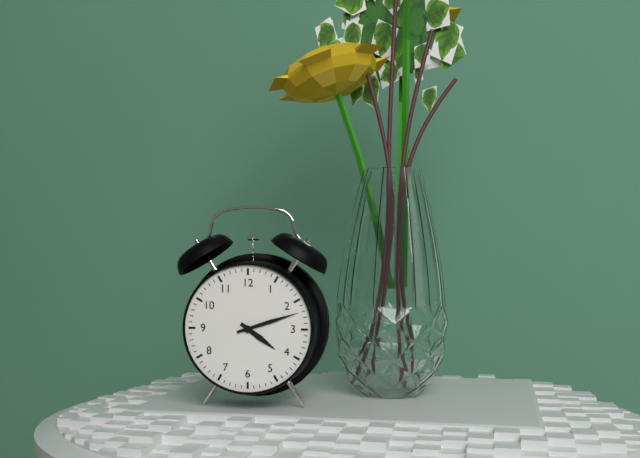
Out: 4h12
